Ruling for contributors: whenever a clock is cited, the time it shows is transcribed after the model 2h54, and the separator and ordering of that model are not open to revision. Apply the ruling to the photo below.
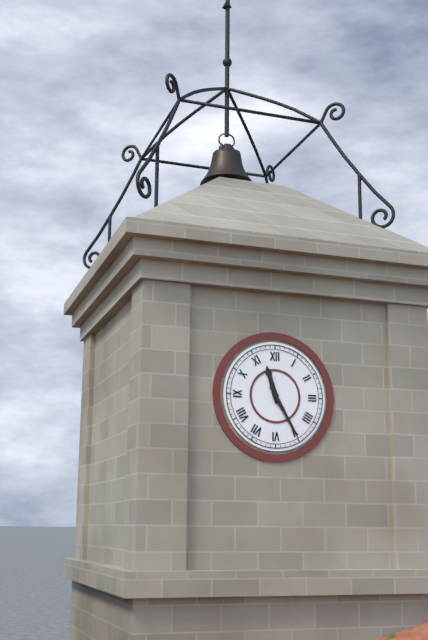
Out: 11h25
